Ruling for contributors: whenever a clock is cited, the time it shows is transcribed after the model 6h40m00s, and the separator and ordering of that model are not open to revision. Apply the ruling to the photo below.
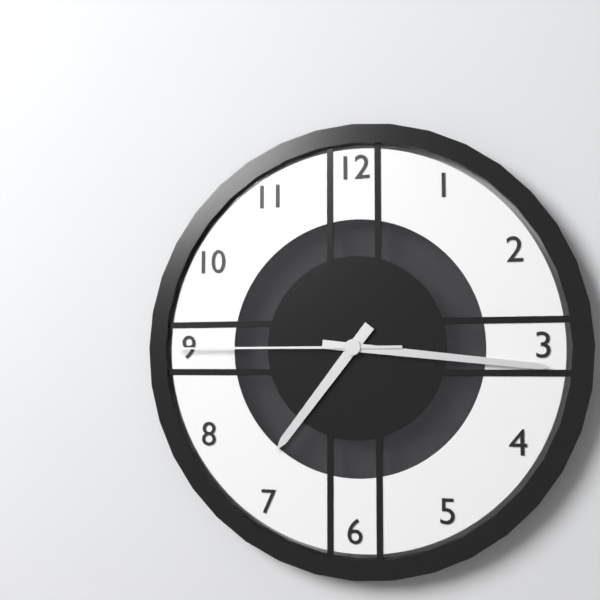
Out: 7h16m45s
